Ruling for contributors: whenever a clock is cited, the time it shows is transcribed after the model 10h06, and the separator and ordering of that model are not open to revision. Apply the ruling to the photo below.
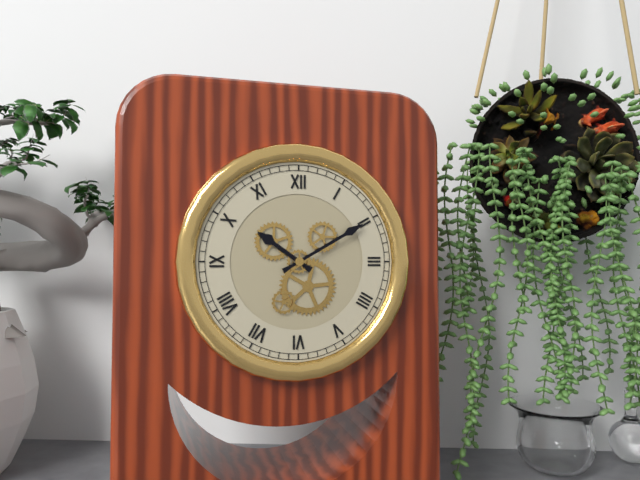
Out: 10h10
